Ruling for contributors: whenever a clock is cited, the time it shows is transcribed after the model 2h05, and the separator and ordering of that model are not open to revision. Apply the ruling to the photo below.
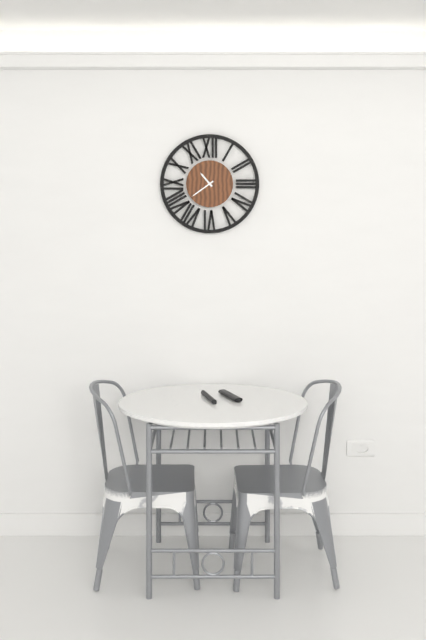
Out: 10h39
